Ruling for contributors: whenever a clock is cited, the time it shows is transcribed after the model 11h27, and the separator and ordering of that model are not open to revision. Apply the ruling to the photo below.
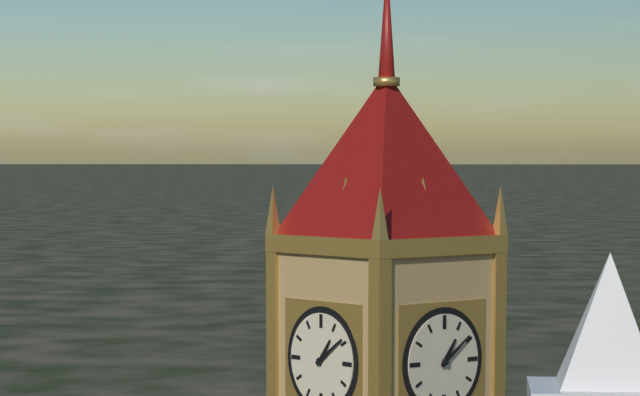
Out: 1h09
